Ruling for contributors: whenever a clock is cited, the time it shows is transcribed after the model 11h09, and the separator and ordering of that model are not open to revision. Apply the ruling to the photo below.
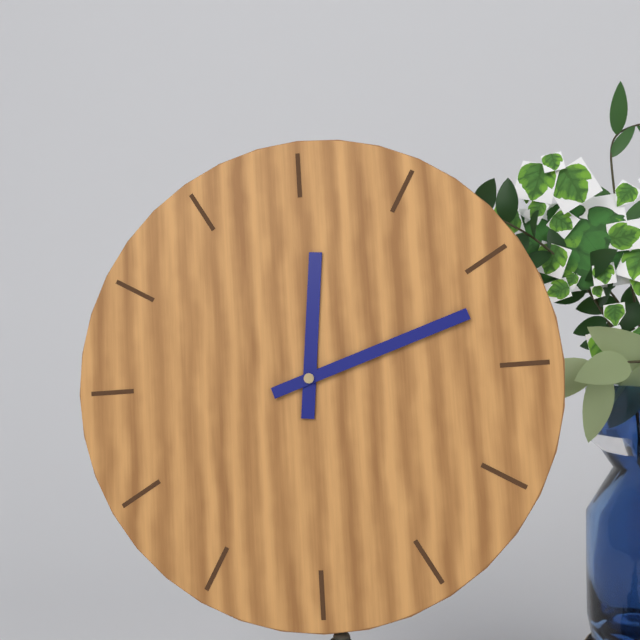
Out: 12h12
